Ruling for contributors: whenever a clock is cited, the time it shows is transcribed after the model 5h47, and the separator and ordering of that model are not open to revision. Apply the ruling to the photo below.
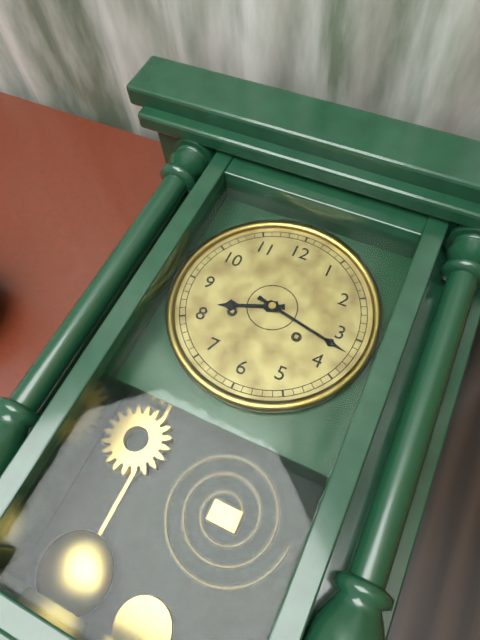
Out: 8h17
